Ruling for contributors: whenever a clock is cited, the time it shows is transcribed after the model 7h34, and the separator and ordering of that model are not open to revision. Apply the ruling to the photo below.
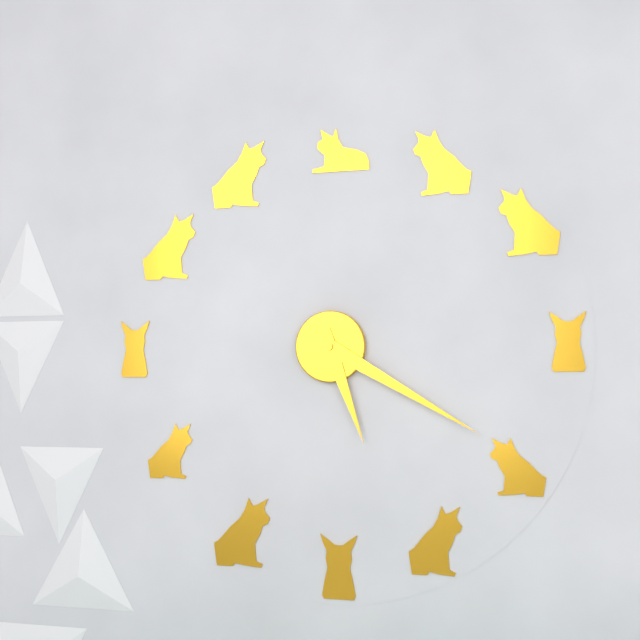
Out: 5h20
